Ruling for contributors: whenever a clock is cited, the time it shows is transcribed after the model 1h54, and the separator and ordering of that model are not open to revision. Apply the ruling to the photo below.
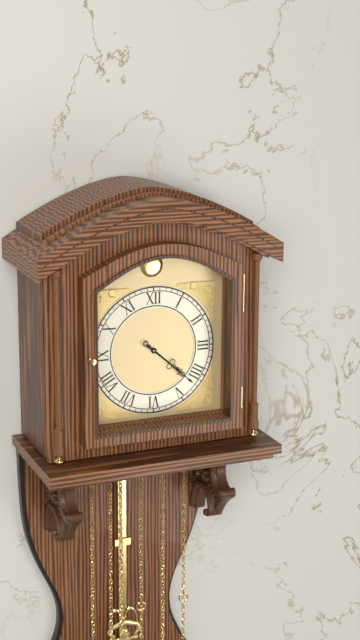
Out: 4h22
